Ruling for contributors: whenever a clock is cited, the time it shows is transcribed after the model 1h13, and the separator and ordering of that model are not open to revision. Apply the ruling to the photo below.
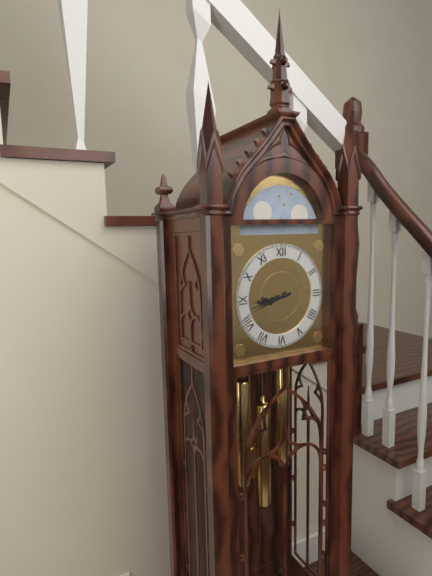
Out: 8h42
